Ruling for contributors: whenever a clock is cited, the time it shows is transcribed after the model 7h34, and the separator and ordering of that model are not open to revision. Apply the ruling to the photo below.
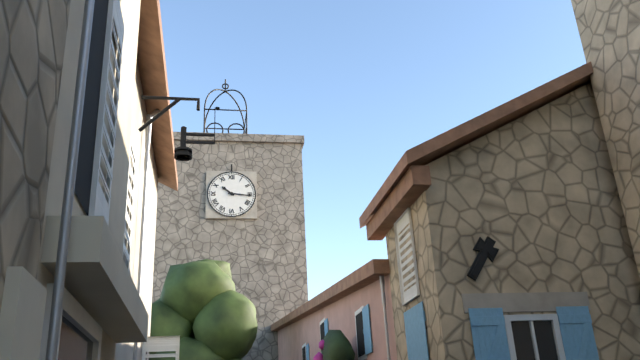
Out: 10h16
